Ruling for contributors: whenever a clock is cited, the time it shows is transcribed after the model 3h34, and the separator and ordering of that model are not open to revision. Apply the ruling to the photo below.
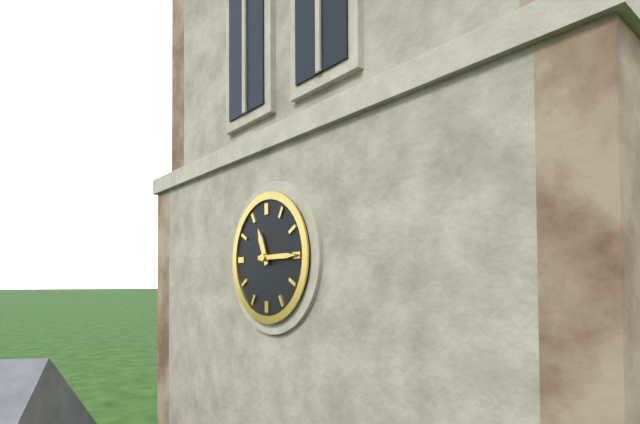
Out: 11h15
